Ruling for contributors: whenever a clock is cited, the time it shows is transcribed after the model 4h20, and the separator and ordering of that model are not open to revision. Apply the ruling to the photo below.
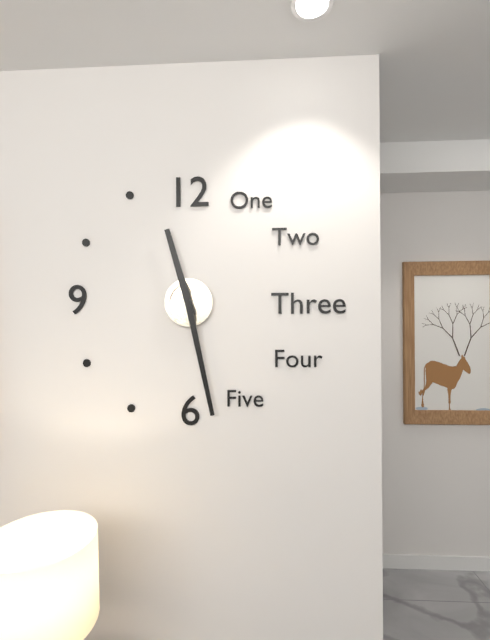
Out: 11h28
